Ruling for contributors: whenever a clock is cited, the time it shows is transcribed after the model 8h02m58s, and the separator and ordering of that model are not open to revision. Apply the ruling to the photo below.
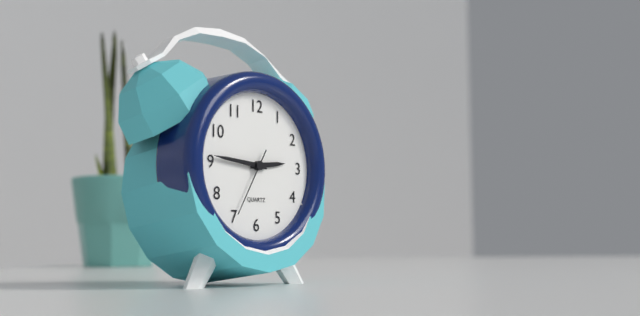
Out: 2h46m35s
